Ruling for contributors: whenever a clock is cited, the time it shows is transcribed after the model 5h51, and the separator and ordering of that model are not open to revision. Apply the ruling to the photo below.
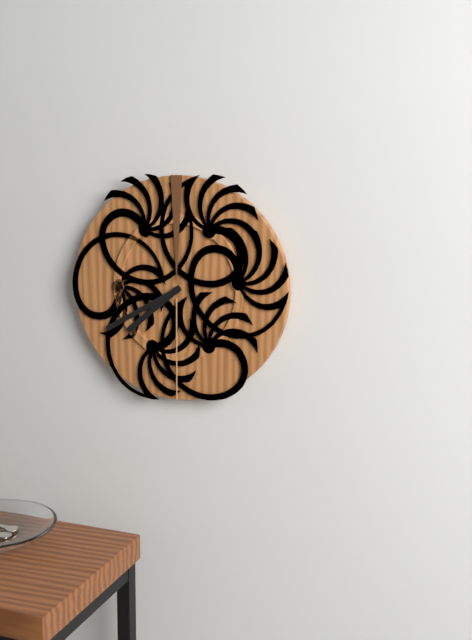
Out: 7h40
